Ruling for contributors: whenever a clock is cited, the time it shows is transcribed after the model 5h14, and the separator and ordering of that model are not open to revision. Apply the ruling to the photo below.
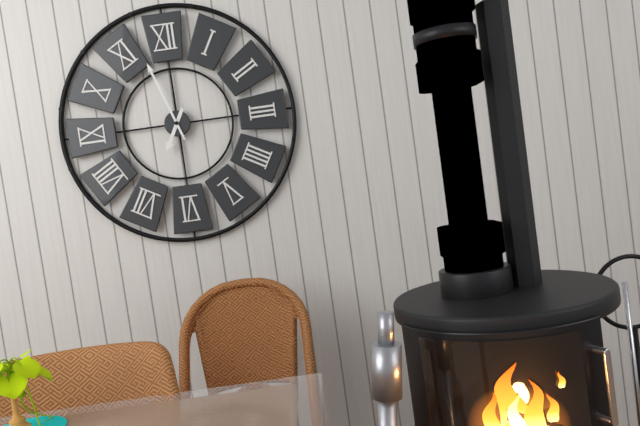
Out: 6h57
